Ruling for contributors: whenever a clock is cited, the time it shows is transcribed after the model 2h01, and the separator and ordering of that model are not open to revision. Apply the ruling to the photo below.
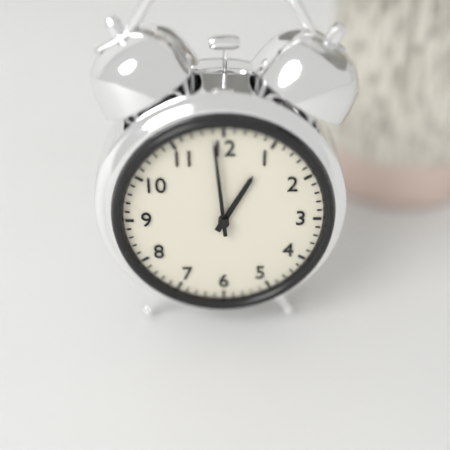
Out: 12h59
